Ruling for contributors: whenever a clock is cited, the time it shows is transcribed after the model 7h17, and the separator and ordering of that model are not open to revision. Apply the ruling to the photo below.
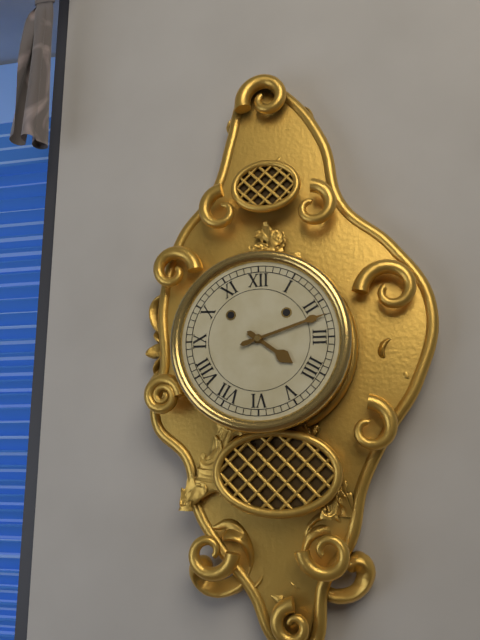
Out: 4h12
